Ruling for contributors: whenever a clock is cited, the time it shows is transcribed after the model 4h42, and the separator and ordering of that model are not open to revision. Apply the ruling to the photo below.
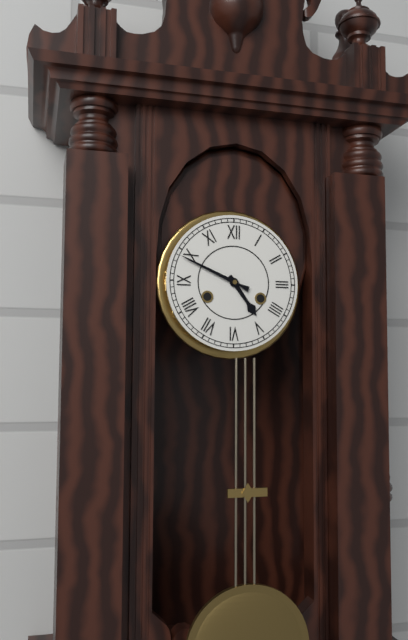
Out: 4h49
